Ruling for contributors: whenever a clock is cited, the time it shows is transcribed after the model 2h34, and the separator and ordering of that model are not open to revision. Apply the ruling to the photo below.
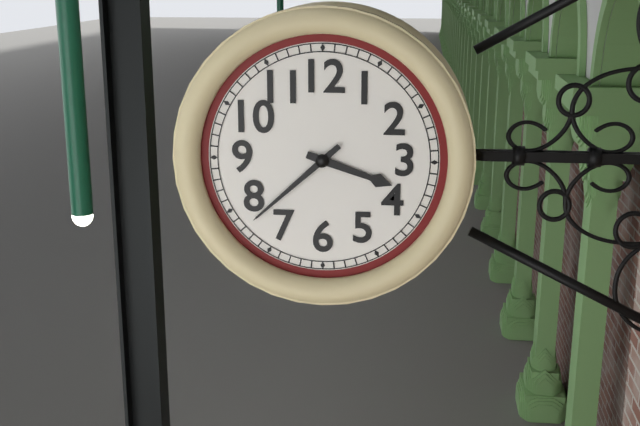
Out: 3h38
